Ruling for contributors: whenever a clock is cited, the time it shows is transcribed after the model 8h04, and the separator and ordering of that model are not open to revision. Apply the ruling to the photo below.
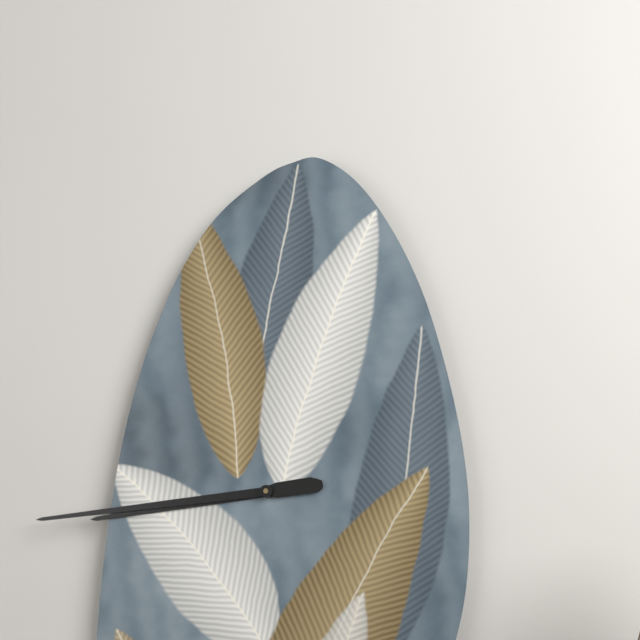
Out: 8h44
